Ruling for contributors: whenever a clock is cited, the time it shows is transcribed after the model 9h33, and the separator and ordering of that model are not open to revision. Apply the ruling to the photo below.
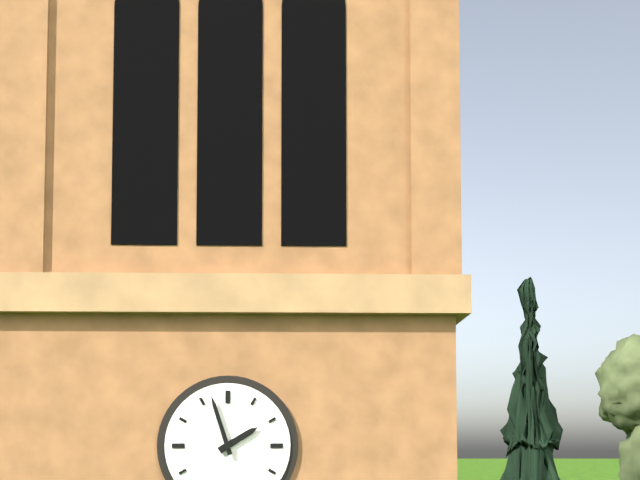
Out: 1h57
